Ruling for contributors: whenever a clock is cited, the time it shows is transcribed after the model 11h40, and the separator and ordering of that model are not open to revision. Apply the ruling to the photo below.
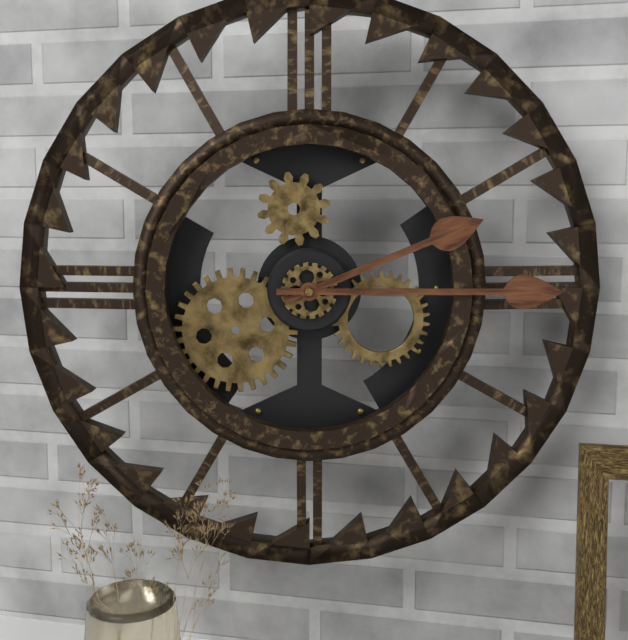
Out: 2h15
